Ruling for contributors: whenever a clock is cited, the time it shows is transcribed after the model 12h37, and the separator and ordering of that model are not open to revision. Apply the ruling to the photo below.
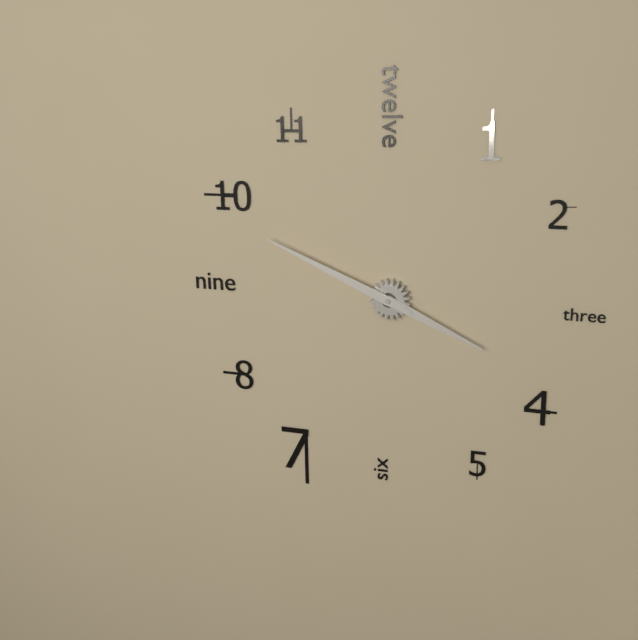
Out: 3h49
